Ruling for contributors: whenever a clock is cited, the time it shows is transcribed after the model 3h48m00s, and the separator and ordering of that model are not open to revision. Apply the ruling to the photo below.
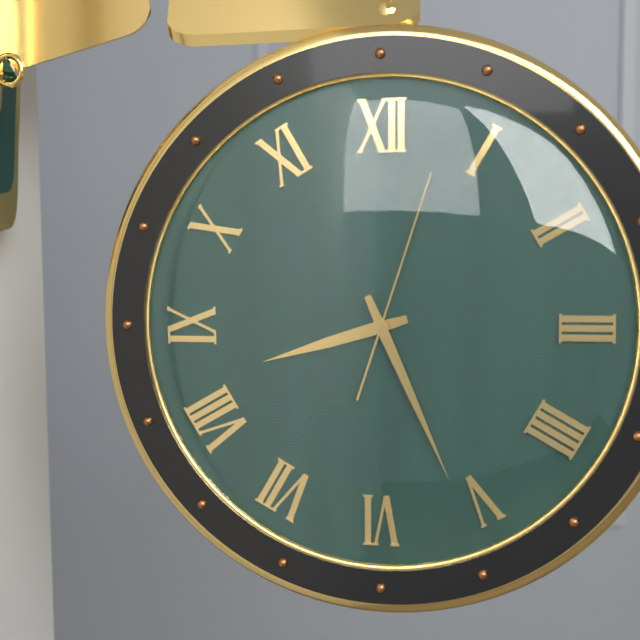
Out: 8h26m03s
